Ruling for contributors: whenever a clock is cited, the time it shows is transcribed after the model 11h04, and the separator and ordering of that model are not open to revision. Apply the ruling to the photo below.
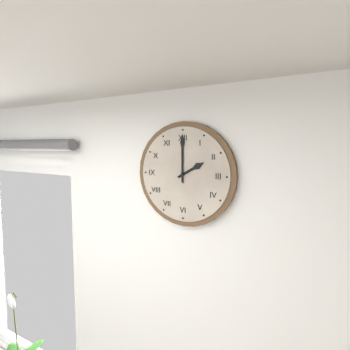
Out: 2h00
